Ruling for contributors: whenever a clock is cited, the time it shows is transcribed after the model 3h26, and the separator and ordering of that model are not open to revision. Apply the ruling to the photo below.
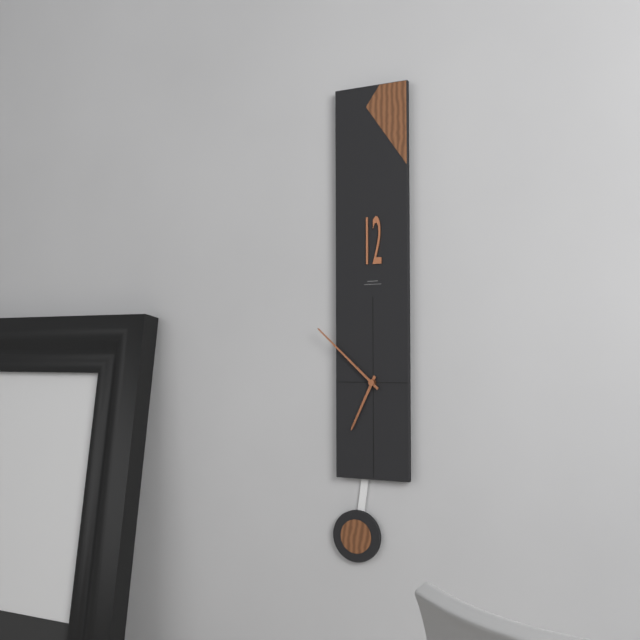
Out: 6h52
